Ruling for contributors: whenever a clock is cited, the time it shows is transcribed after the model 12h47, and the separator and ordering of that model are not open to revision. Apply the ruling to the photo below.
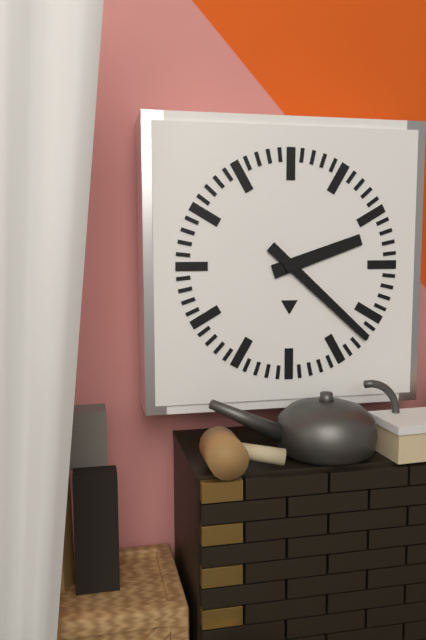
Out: 2h22
